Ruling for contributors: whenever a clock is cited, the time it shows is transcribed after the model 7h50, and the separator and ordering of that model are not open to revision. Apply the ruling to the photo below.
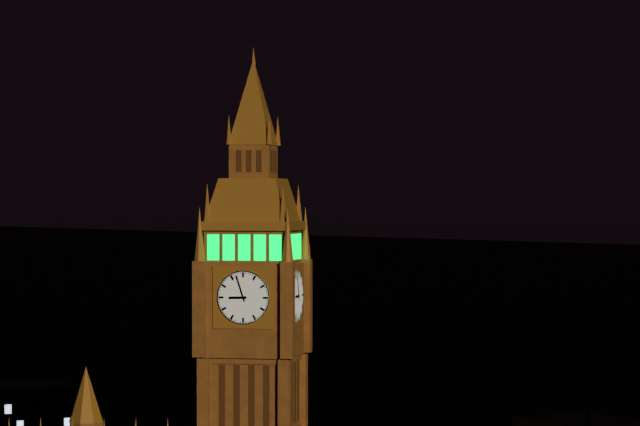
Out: 8h57
